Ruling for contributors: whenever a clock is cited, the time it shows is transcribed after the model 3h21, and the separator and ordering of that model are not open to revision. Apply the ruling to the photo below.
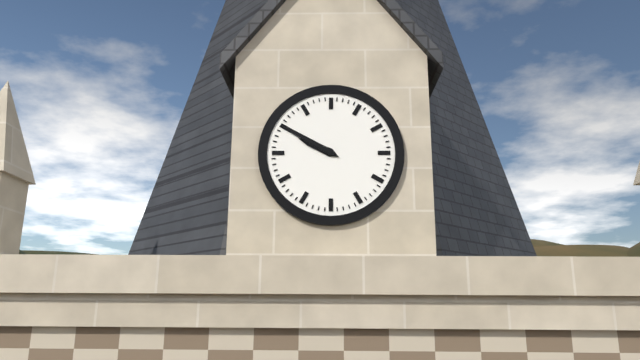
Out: 9h50
